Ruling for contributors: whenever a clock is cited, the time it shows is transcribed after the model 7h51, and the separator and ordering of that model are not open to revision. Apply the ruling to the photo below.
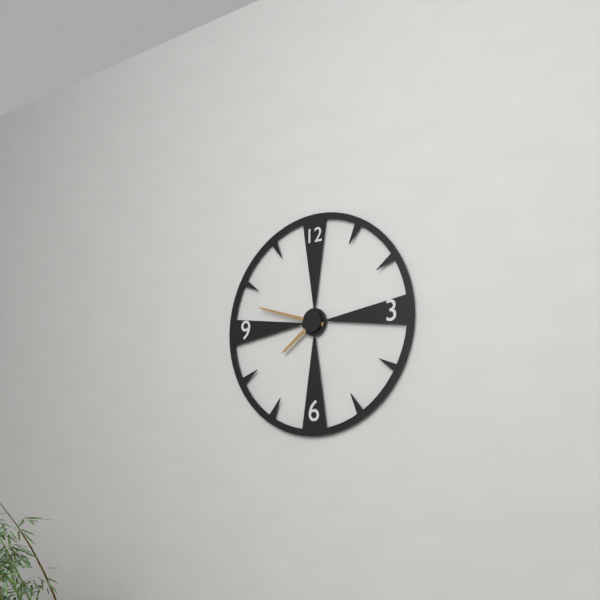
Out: 7h48
